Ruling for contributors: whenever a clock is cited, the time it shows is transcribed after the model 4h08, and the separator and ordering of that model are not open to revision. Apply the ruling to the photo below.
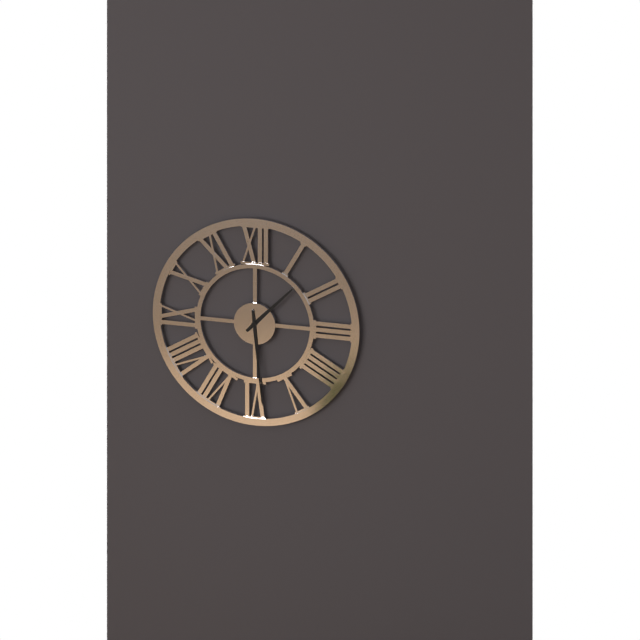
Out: 1h29
